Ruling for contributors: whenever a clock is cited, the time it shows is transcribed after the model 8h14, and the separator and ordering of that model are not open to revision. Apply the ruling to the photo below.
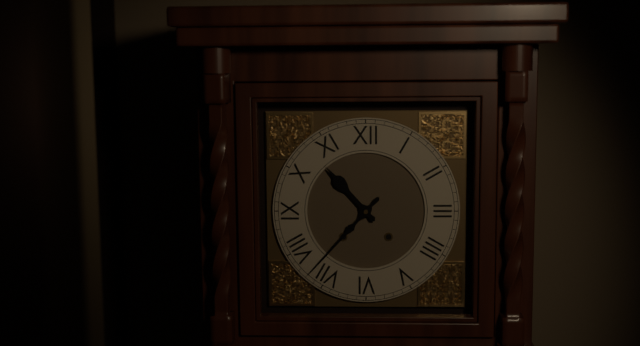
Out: 10h37
